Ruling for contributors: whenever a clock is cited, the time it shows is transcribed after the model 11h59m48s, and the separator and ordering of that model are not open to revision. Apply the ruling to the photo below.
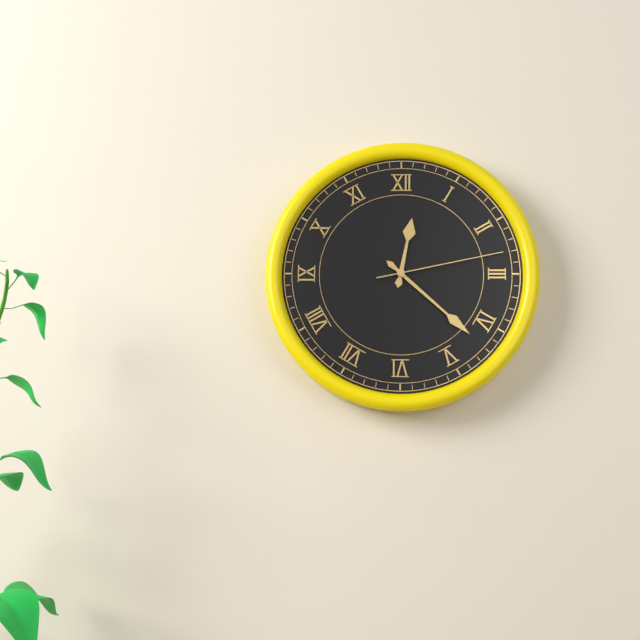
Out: 12h22m13s
